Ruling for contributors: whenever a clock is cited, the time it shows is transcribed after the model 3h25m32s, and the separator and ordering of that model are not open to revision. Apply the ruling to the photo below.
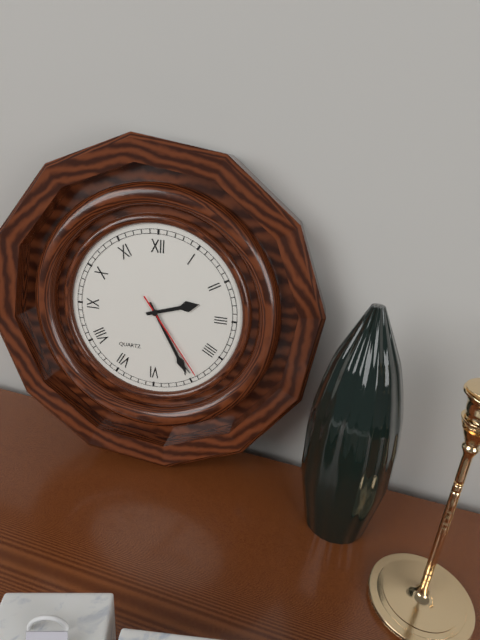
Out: 2h25m24s
